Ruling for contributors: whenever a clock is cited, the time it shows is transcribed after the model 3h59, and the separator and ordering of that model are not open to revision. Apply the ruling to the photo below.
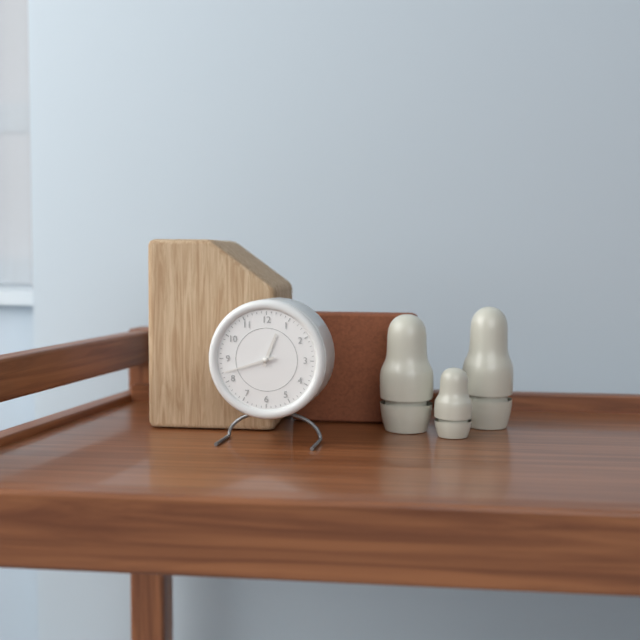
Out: 12h42
